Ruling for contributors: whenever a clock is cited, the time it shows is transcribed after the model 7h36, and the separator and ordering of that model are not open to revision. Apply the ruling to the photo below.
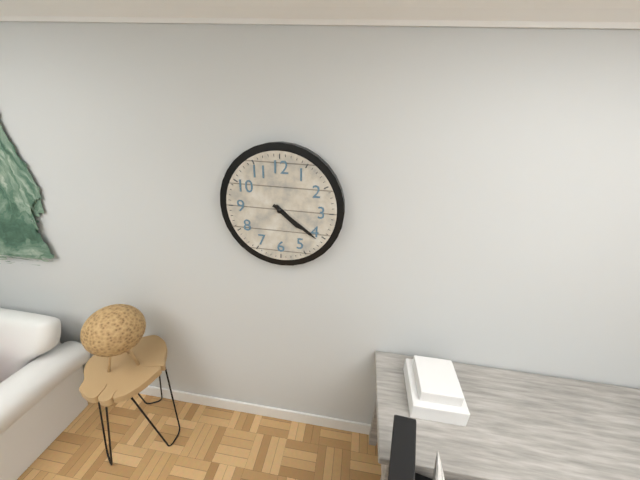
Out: 4h21
